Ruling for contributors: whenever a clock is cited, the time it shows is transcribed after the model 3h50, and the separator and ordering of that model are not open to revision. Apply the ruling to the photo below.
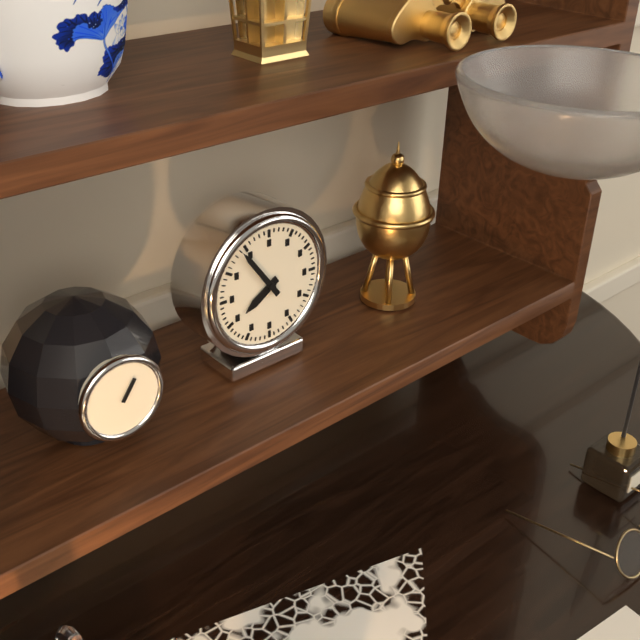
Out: 7h54
